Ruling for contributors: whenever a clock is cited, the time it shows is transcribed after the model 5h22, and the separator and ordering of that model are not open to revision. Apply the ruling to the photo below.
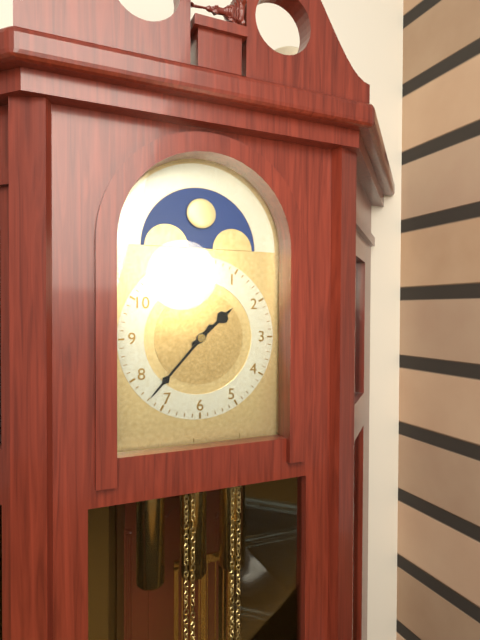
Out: 1h37
